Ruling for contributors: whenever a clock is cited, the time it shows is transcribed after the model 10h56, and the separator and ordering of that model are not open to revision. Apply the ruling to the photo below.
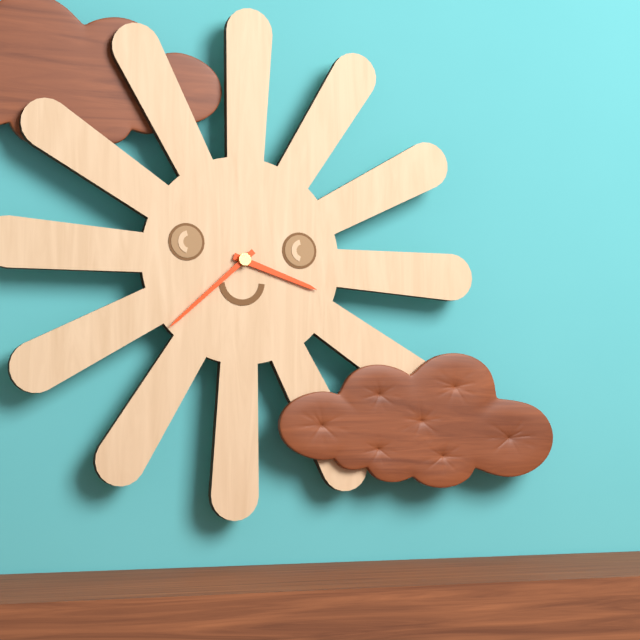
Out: 3h38
